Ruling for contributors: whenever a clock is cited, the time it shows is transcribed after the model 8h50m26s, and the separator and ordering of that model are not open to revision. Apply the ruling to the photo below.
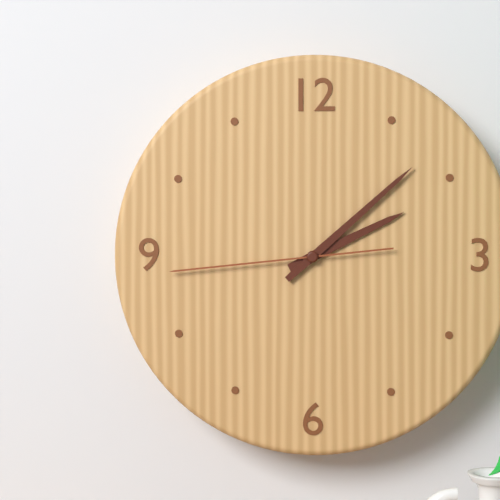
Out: 2h08m44s
